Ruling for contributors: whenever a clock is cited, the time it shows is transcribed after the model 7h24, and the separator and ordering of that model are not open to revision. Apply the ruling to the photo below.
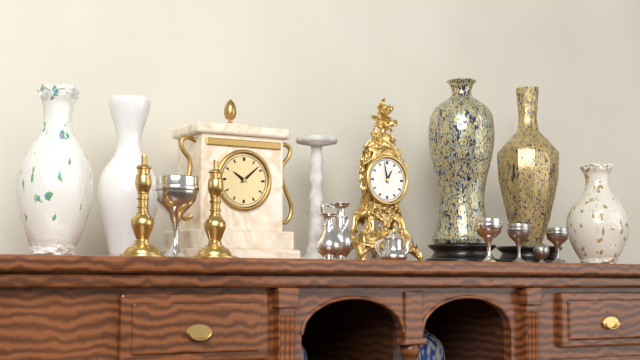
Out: 12h58
